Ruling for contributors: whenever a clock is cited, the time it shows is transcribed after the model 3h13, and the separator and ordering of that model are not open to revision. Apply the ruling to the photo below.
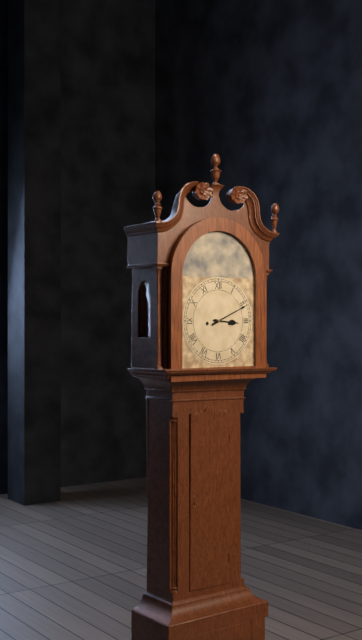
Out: 3h11
